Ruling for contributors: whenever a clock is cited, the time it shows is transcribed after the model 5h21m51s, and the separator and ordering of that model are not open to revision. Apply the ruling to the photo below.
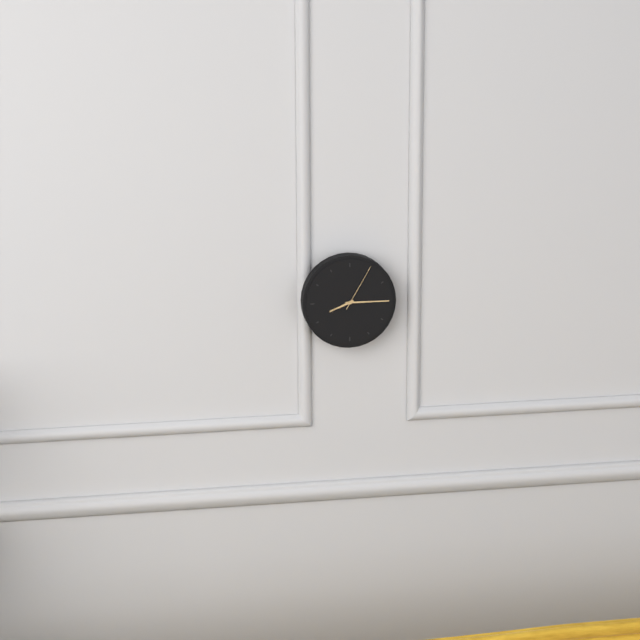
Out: 8h15m05s
